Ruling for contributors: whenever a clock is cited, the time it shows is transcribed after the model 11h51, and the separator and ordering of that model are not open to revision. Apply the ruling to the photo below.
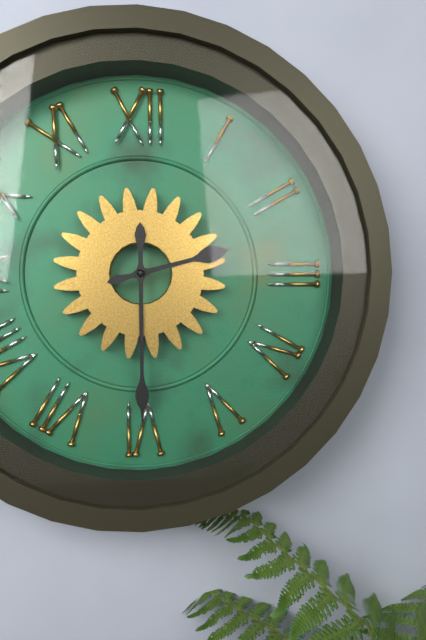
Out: 2h30
